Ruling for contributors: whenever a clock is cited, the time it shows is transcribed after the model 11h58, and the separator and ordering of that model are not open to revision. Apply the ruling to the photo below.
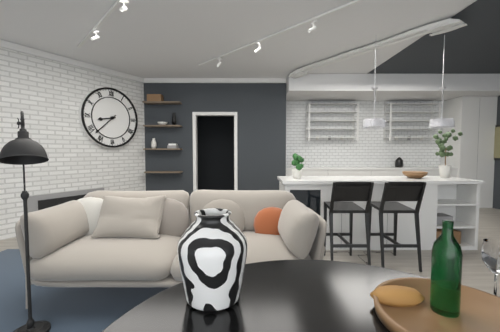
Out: 8h38
